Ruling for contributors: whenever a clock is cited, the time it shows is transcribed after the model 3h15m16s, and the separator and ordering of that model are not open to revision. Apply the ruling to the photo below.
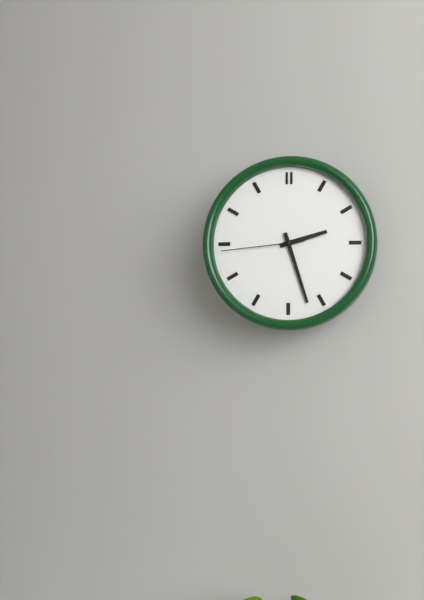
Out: 2h27m44s
